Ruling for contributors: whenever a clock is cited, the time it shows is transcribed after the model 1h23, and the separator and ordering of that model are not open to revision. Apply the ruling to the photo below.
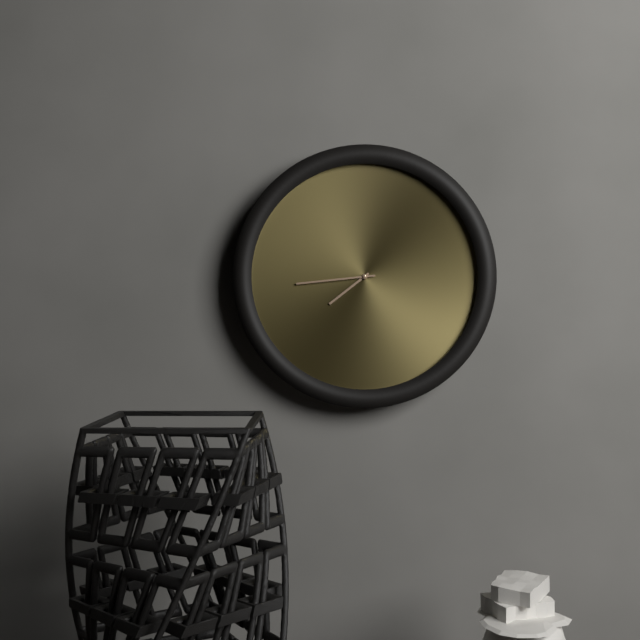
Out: 7h44
